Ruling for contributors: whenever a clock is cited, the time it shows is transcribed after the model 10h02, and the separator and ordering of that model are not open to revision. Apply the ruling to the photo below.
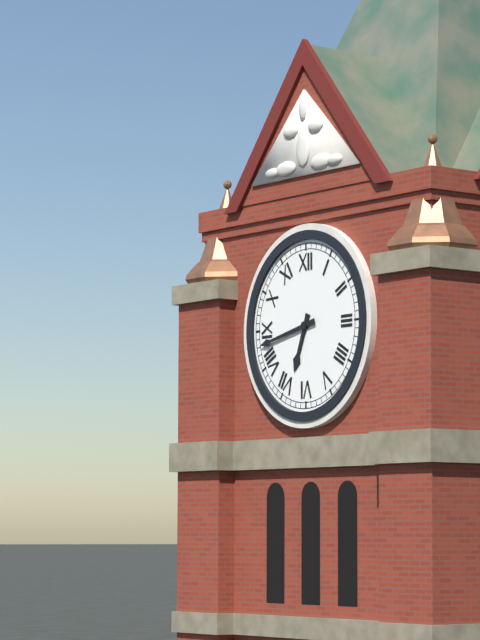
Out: 6h43
